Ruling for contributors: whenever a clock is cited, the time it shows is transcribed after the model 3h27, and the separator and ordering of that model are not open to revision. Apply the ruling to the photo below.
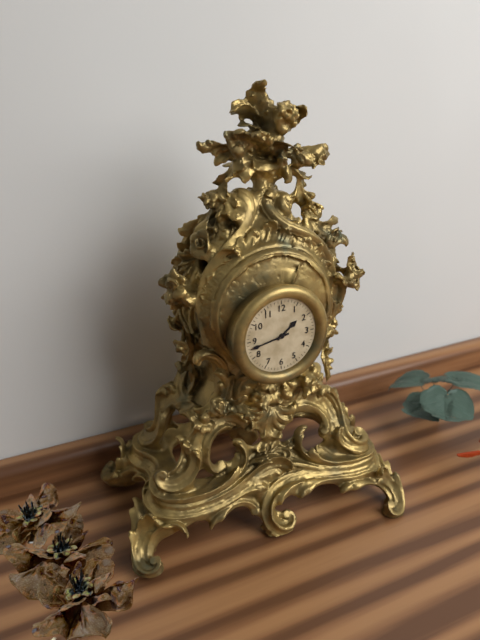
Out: 1h43
